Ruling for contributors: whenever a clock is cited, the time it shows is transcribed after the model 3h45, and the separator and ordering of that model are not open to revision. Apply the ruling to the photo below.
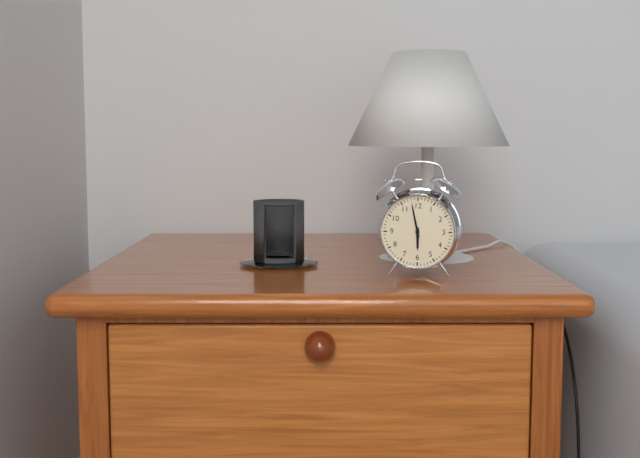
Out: 5h58
